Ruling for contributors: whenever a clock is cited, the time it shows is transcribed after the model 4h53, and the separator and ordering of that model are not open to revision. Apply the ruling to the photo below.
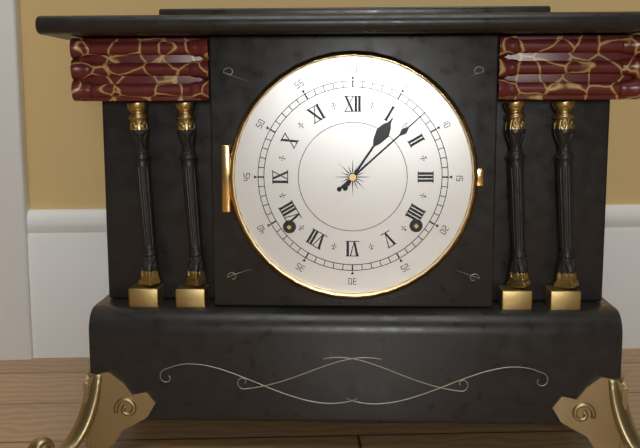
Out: 1h08
